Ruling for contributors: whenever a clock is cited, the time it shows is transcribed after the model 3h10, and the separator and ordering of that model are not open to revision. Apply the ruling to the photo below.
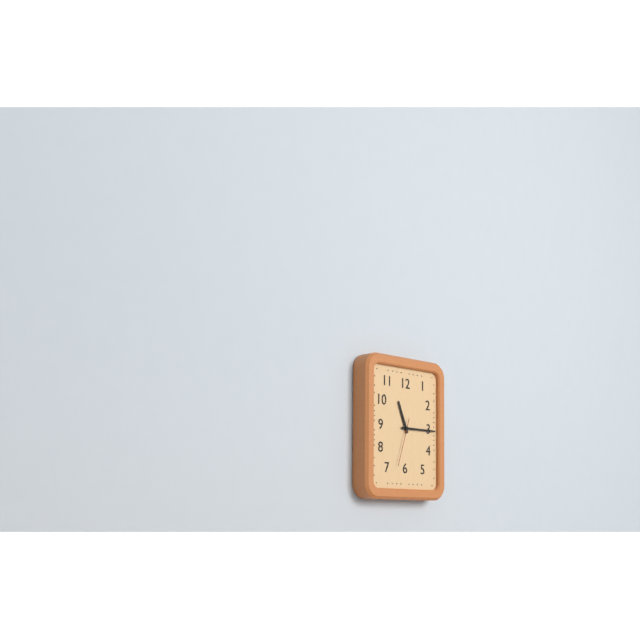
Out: 11h15
